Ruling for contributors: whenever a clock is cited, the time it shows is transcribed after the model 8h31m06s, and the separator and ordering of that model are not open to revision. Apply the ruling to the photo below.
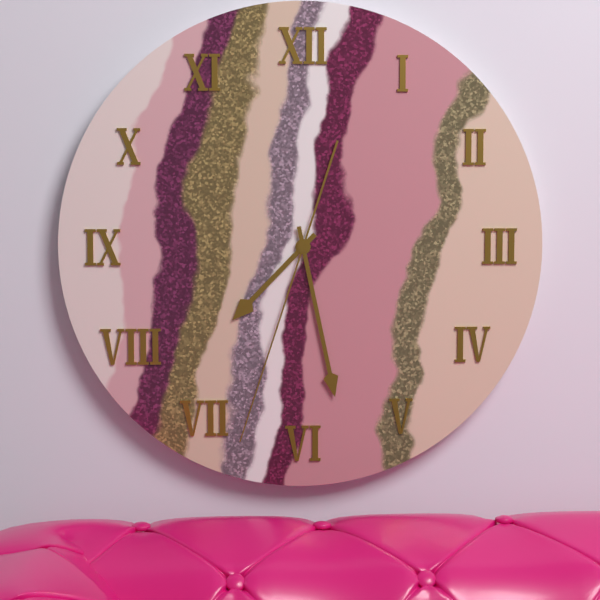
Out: 7h28m33s
